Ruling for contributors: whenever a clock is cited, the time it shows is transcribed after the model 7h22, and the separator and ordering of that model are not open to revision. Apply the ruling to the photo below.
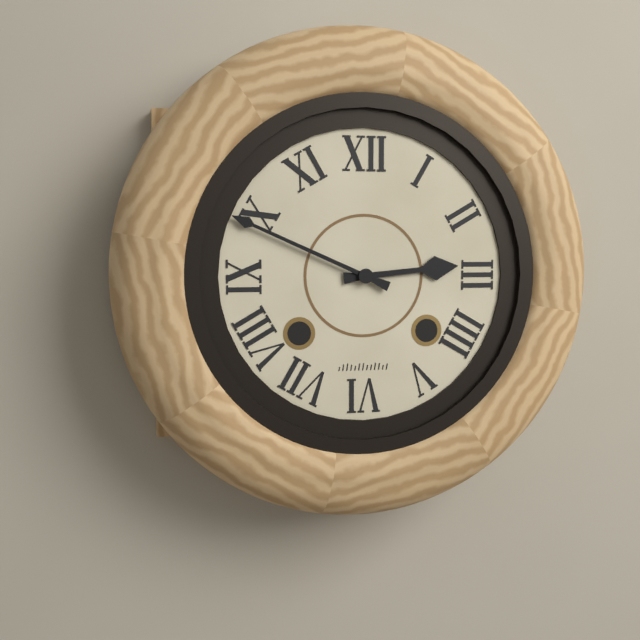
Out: 2h49
